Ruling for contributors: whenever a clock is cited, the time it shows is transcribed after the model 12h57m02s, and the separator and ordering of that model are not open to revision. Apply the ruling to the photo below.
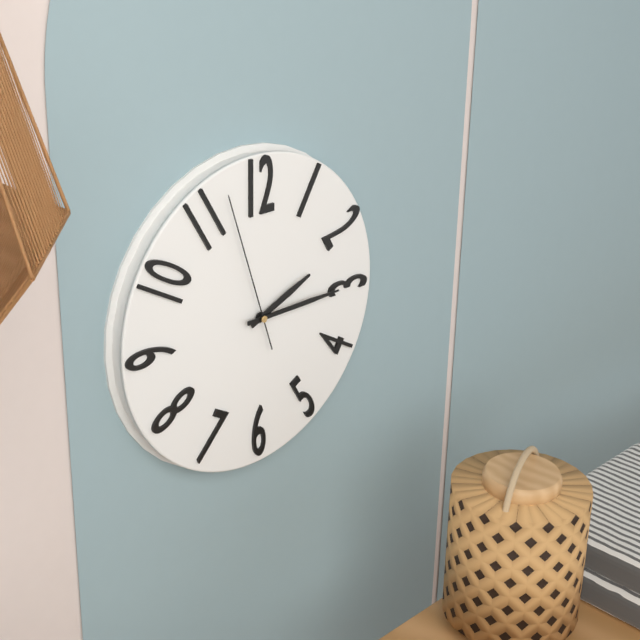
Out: 2h15m57s
